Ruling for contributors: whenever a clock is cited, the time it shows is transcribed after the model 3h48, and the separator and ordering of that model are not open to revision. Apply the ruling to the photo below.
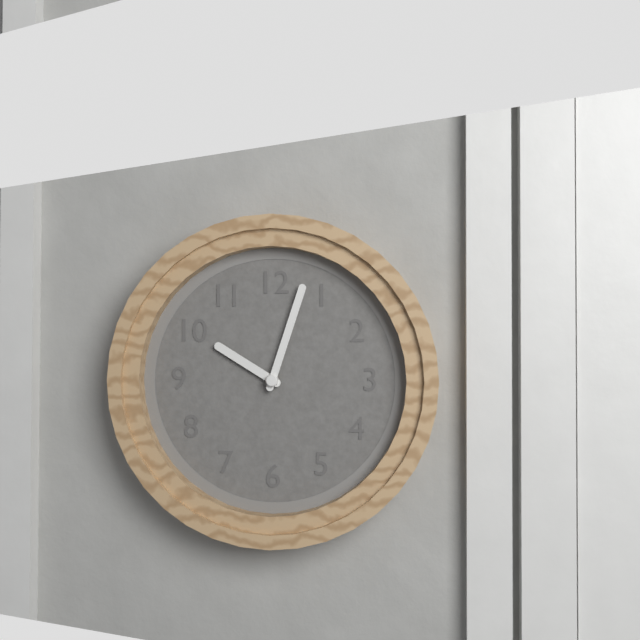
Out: 10h03
